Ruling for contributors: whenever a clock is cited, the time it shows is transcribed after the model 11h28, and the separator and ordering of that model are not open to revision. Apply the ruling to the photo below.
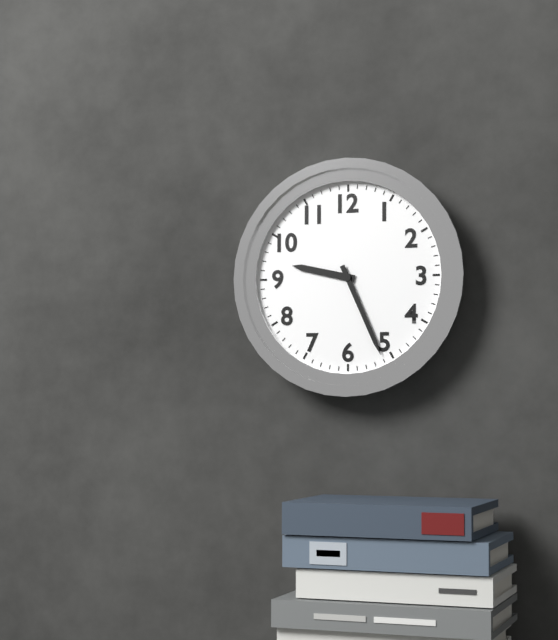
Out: 9h26
